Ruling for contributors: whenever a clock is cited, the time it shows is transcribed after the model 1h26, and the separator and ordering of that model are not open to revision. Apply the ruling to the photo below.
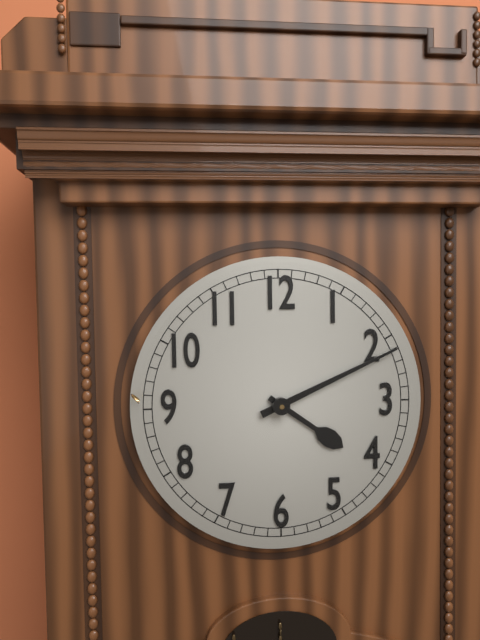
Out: 4h11
